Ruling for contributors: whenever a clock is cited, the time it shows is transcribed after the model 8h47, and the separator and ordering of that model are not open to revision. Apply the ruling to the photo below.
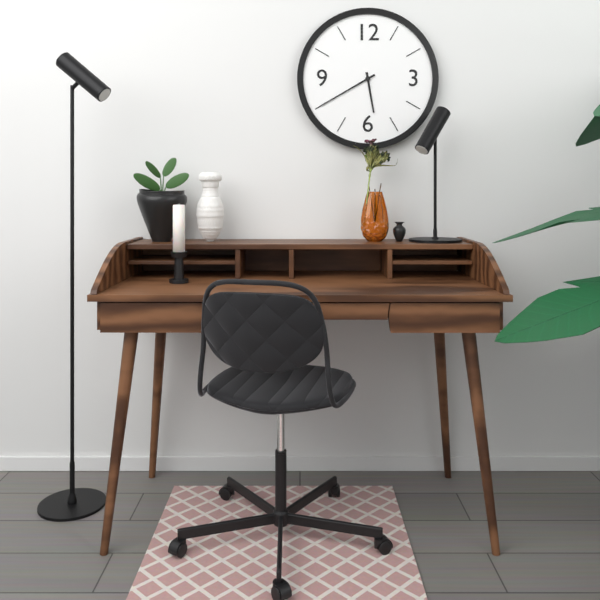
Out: 5h40
